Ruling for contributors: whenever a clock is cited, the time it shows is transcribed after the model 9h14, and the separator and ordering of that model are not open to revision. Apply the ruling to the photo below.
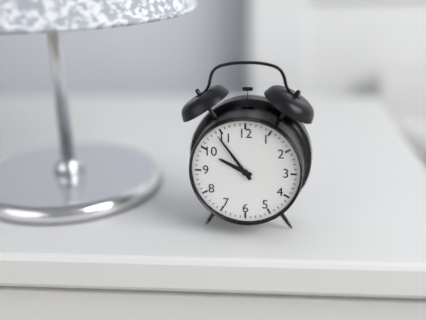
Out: 9h54
